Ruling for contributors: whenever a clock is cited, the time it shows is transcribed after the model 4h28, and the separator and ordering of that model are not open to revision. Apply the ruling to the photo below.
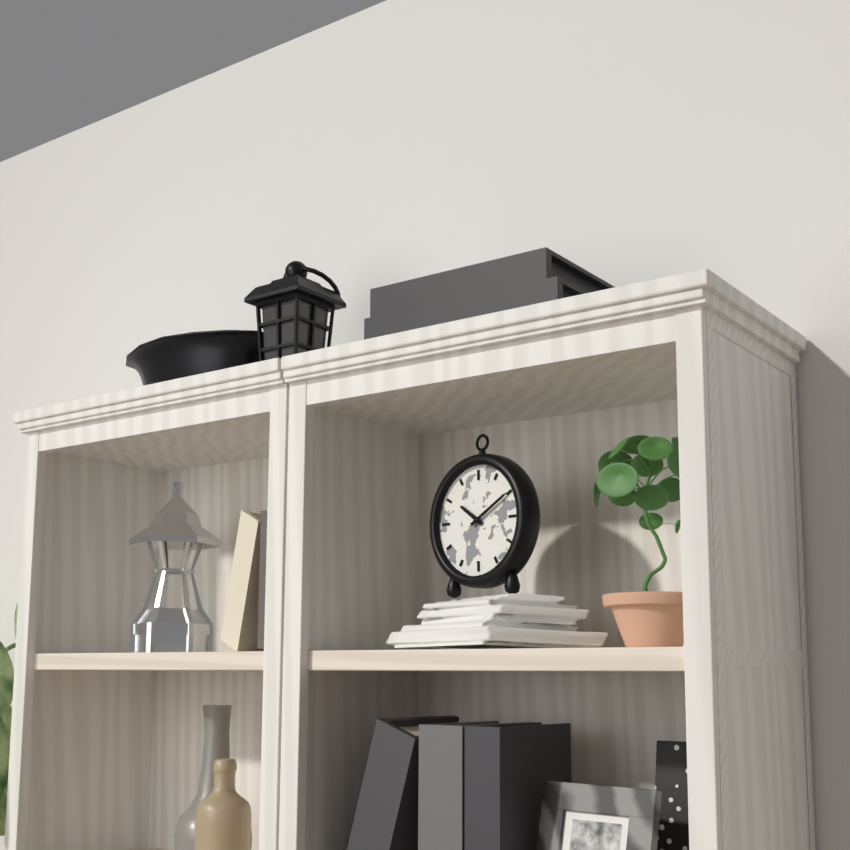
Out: 10h10
